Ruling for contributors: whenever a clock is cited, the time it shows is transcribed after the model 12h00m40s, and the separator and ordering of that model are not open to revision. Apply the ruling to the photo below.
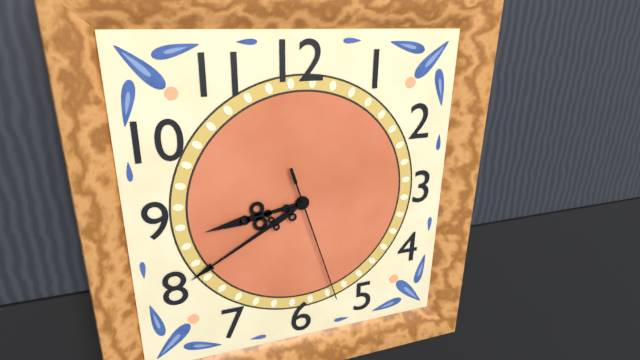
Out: 8h40m27s
